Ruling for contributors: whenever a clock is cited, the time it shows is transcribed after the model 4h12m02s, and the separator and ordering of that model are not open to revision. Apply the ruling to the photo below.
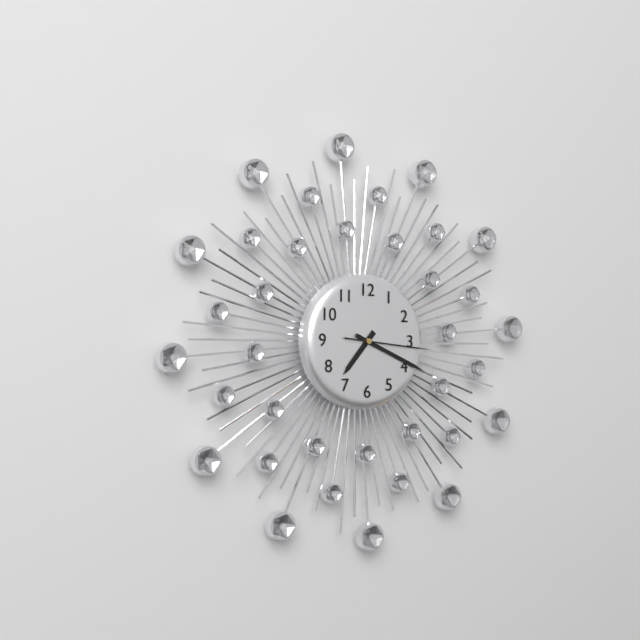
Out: 7h19m16s
